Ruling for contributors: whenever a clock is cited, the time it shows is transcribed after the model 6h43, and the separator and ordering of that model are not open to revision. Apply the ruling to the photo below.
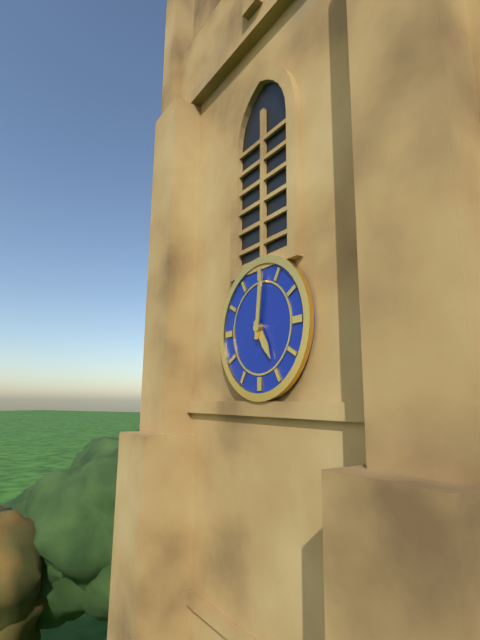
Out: 5h01
